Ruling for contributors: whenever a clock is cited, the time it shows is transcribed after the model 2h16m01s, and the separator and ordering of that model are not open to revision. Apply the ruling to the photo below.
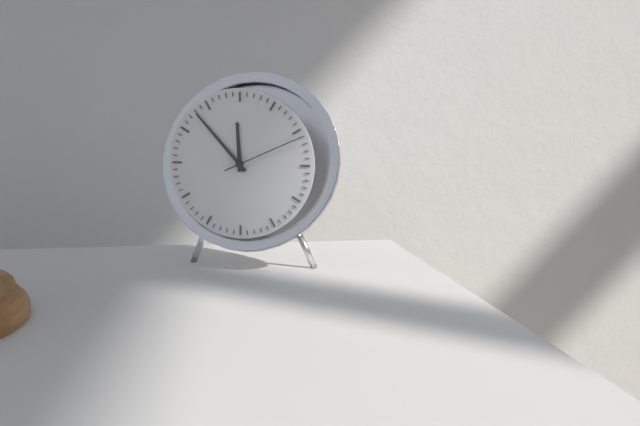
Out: 11h53m11s
